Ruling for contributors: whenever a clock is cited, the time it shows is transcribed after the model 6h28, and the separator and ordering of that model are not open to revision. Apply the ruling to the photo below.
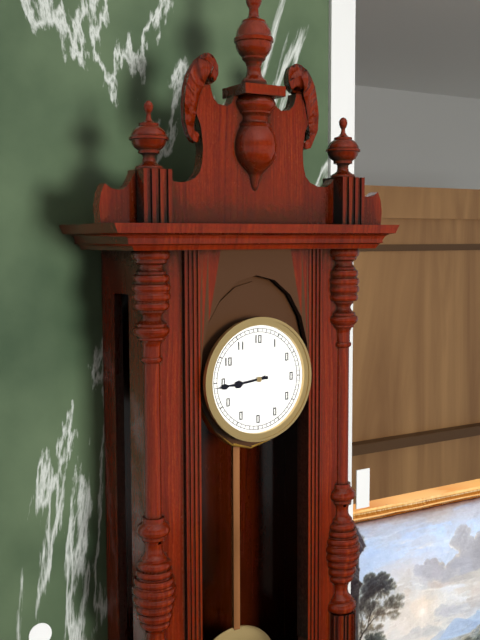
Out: 8h44
